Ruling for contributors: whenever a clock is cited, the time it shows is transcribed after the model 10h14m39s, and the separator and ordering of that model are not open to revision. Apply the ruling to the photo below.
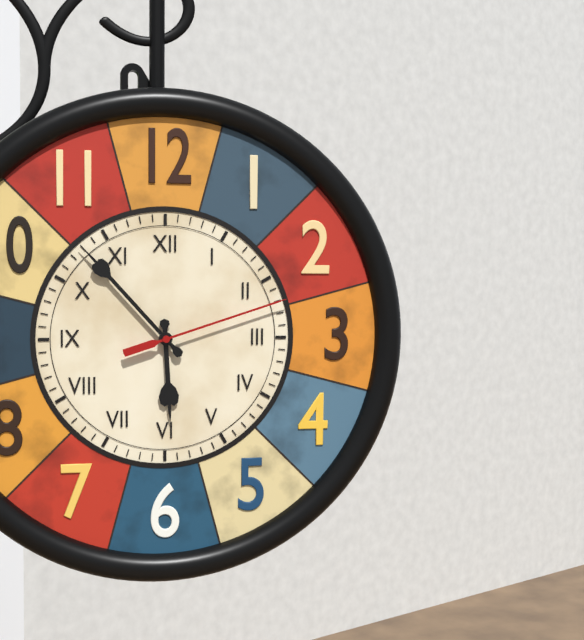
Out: 5h53m12s
